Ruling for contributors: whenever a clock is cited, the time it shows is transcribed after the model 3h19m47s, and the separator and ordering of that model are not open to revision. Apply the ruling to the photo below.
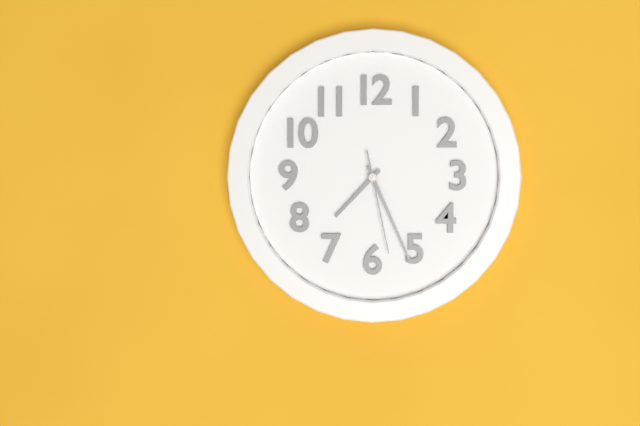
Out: 7h26m28s
